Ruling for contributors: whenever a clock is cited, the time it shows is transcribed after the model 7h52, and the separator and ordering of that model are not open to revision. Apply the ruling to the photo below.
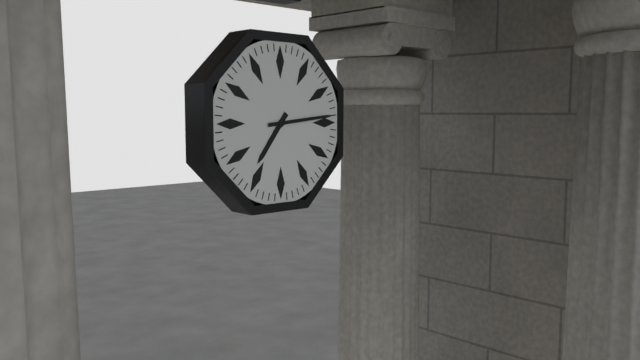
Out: 7h14
